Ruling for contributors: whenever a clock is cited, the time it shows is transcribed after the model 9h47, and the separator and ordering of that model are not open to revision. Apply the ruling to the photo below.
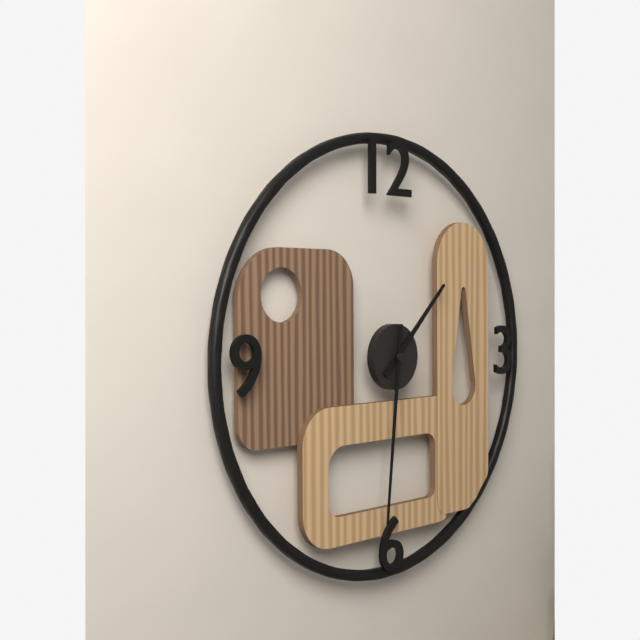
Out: 1h31
